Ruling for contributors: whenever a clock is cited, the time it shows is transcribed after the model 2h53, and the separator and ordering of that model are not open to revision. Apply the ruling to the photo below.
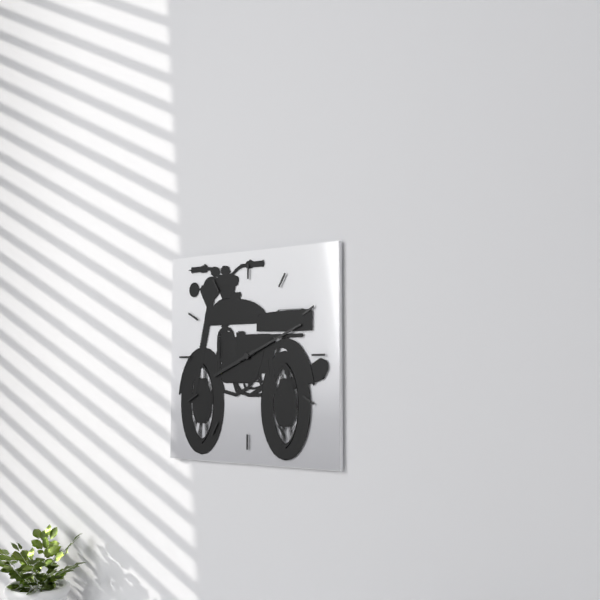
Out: 8h11
